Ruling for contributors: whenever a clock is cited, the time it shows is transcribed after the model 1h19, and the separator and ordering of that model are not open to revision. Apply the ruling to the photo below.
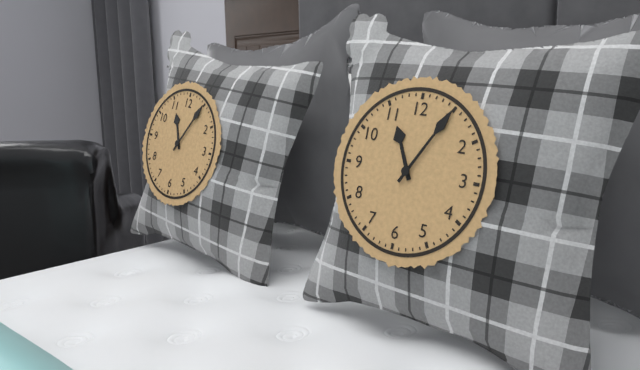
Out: 11h05
